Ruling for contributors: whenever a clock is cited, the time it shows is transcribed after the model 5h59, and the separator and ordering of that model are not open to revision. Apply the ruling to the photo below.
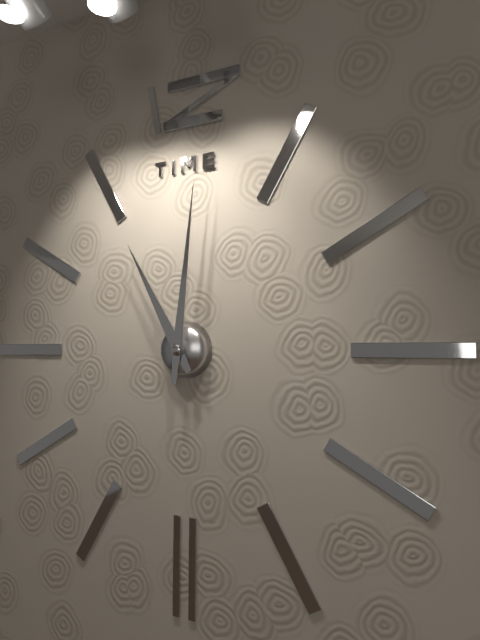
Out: 11h01
